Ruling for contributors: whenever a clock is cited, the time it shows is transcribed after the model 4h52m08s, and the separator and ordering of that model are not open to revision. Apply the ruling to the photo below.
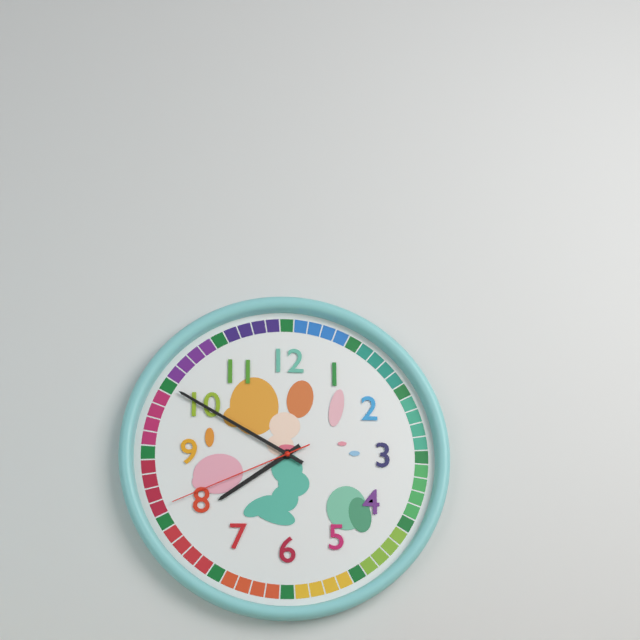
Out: 7h50m41s
